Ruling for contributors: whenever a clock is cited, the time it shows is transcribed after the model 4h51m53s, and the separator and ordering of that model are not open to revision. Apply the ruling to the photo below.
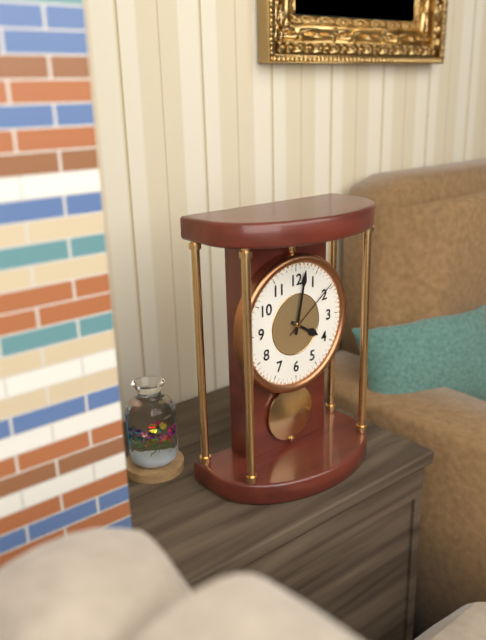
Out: 4h02m09s
